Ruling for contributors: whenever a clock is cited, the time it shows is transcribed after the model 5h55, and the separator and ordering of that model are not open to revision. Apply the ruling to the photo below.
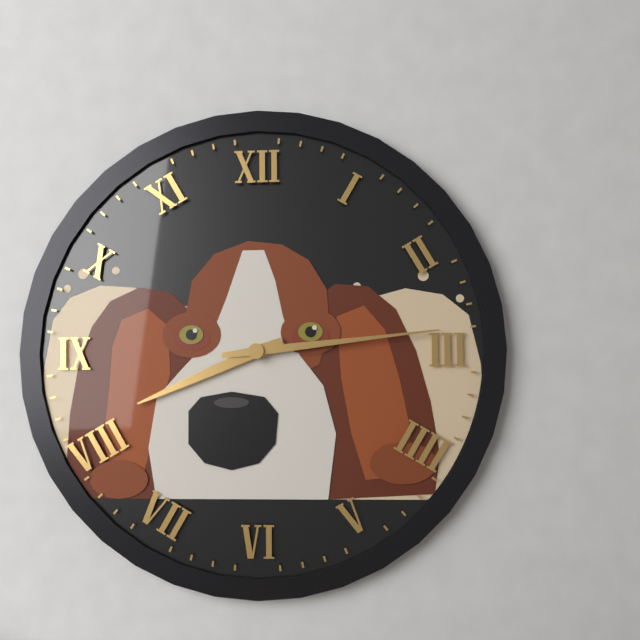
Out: 8h14
